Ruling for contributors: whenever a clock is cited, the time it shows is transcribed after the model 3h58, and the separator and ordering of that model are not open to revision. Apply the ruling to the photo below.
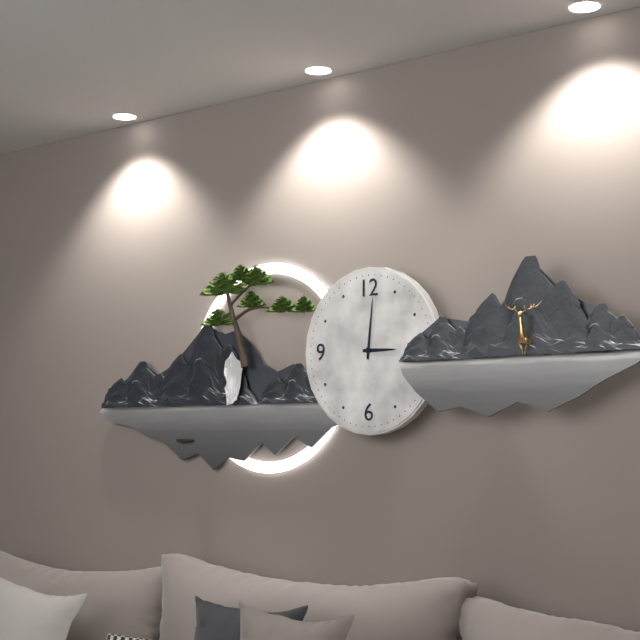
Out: 3h01
